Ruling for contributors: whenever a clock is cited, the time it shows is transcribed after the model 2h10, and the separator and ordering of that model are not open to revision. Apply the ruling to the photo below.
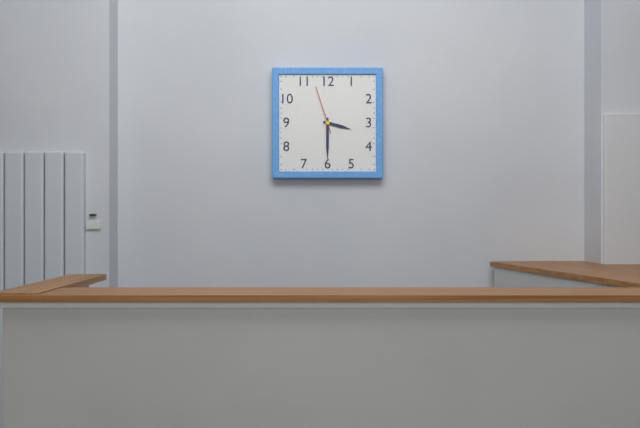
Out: 3h30
